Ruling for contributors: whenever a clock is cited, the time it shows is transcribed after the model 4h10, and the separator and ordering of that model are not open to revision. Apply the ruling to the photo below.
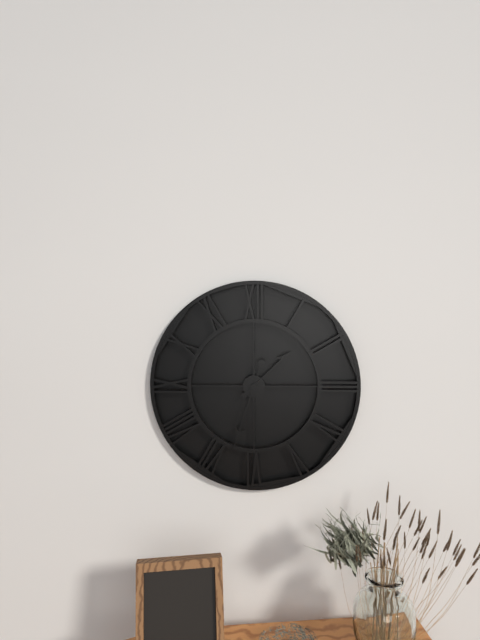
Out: 1h33
